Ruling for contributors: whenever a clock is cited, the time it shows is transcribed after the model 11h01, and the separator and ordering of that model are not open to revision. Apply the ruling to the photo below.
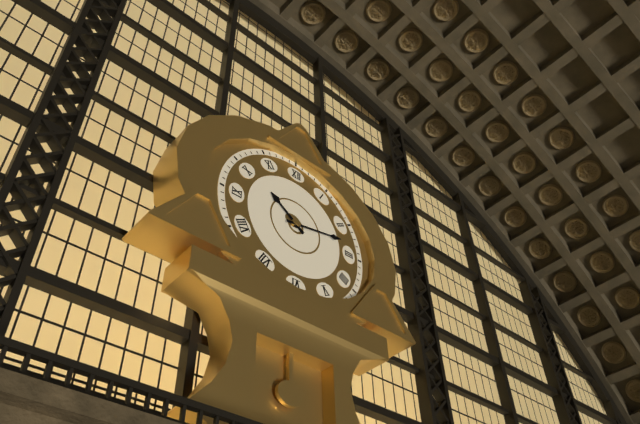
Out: 10h13
